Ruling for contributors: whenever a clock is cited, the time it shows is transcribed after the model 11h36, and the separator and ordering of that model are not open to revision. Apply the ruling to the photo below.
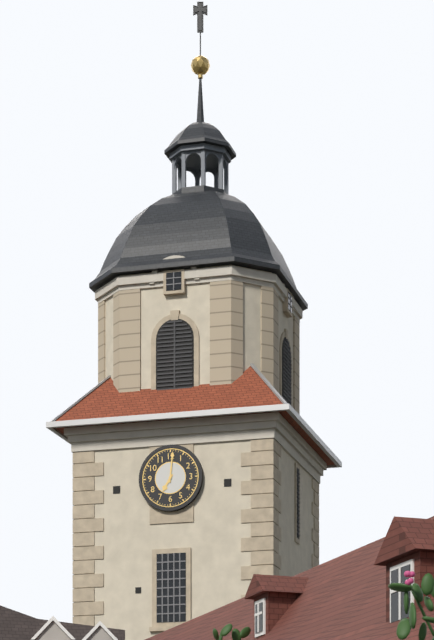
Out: 7h01
